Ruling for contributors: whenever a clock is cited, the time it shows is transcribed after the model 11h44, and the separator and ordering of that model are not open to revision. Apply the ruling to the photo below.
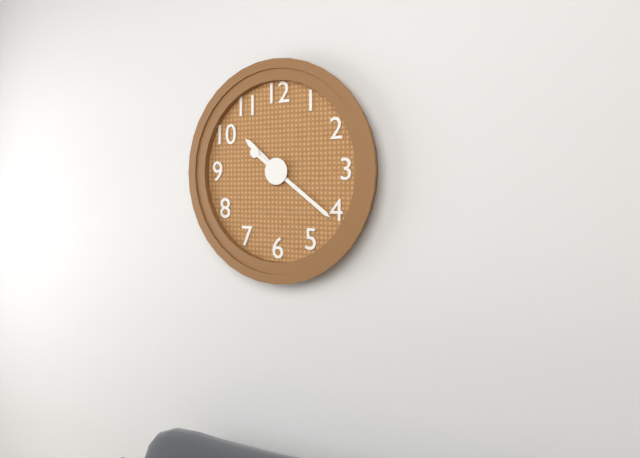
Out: 10h21
